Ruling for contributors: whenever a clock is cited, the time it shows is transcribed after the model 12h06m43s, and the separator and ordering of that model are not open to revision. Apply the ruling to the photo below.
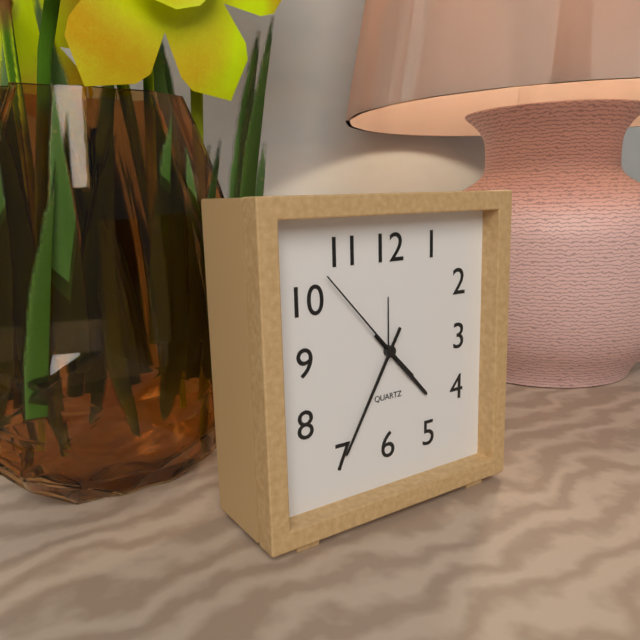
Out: 4h35m53s
